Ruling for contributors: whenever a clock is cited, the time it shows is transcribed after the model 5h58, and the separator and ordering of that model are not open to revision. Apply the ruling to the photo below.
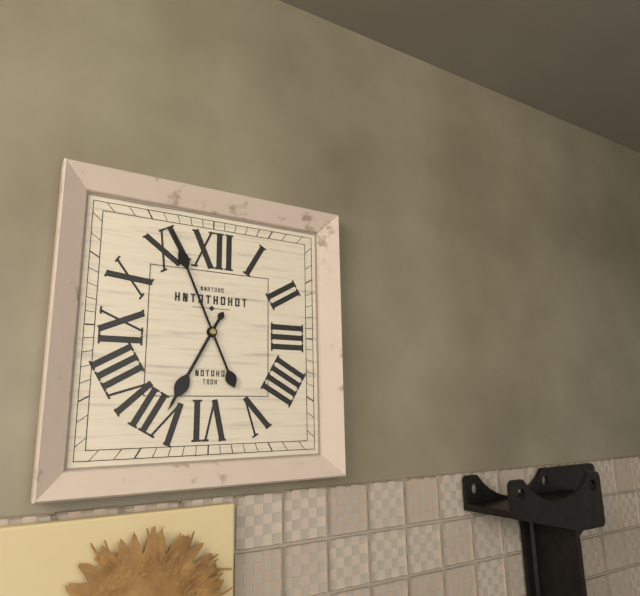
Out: 6h56
